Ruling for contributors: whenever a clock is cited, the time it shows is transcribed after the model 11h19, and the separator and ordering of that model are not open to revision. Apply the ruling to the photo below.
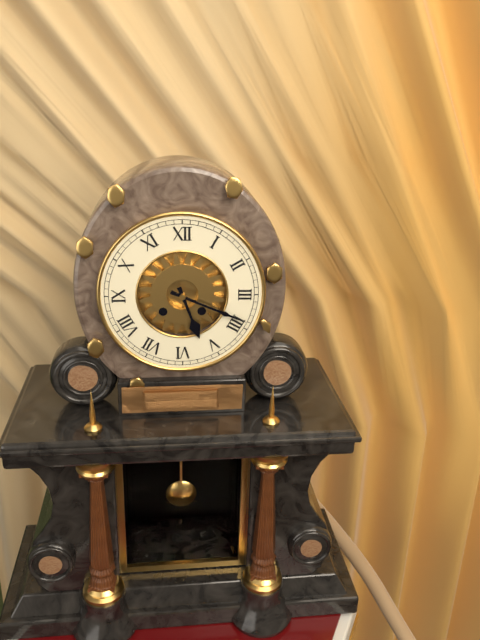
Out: 5h19
